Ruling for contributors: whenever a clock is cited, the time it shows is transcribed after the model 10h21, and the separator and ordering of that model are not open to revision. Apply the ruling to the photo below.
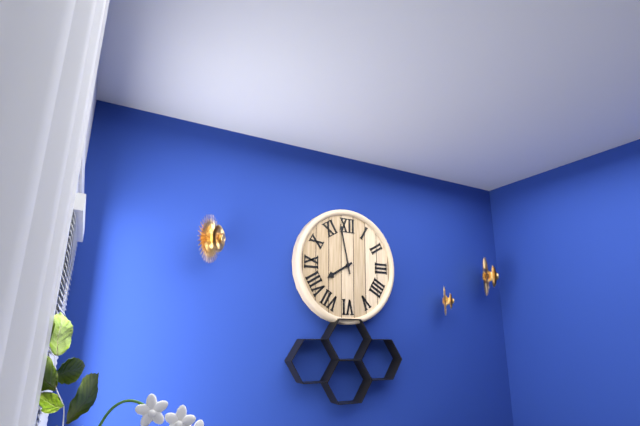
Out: 7h58
